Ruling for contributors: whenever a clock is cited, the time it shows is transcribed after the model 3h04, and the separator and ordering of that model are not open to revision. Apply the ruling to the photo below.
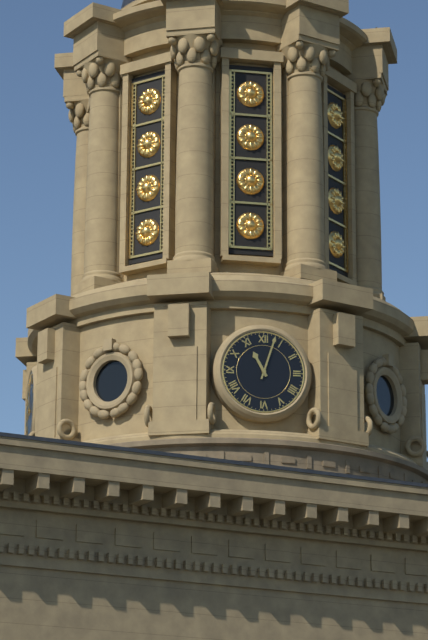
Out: 11h03
